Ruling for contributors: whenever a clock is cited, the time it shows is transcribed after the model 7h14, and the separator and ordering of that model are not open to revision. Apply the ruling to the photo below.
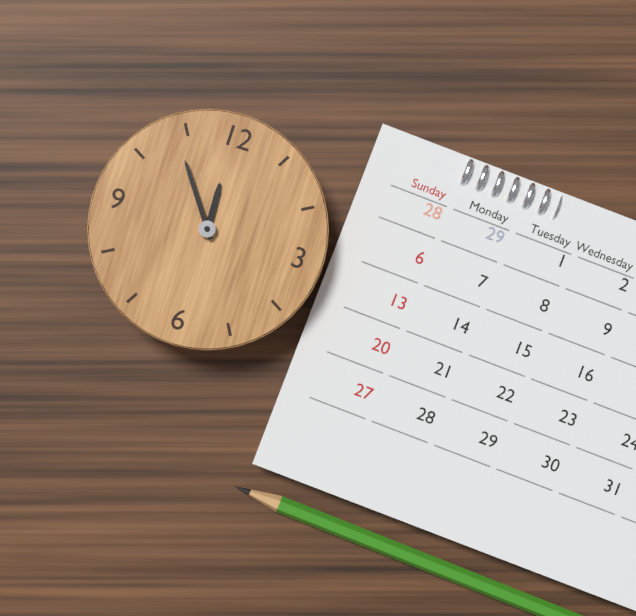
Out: 11h54
